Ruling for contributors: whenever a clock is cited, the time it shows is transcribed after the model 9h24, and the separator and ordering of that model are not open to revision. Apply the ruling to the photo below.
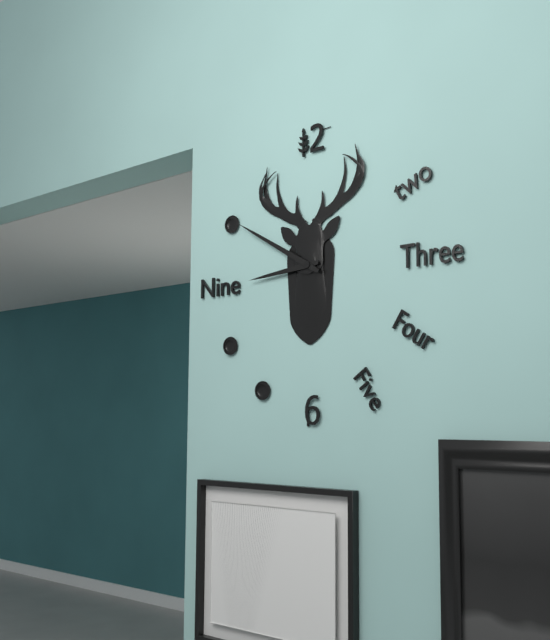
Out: 8h50
